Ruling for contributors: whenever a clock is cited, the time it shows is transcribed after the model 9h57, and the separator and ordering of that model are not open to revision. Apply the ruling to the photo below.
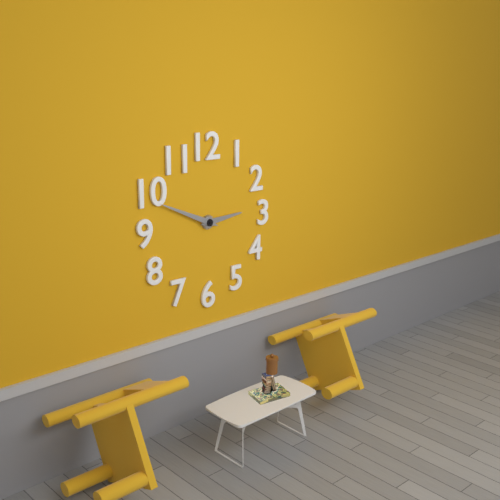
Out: 2h49
